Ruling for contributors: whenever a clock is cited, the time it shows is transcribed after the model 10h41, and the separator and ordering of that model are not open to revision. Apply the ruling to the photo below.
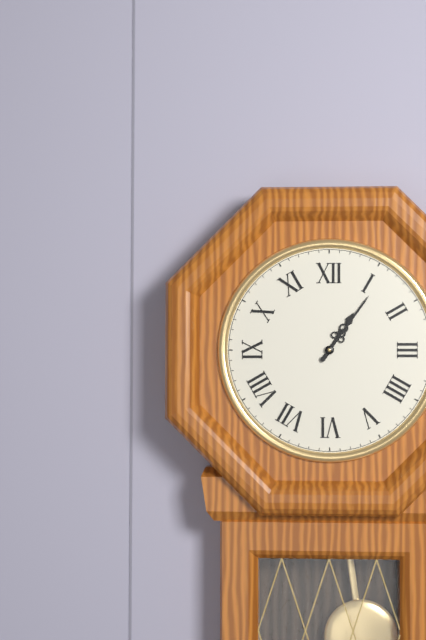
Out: 1h06
